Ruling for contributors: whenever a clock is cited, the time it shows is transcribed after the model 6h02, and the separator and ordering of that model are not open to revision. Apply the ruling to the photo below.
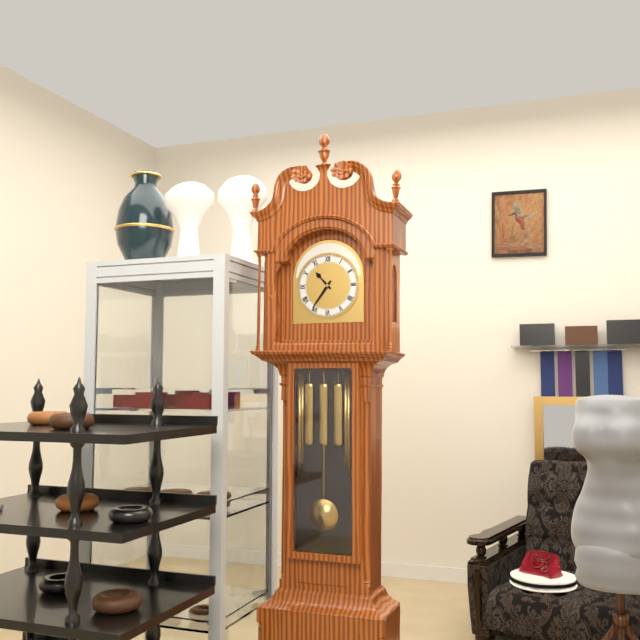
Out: 10h36
